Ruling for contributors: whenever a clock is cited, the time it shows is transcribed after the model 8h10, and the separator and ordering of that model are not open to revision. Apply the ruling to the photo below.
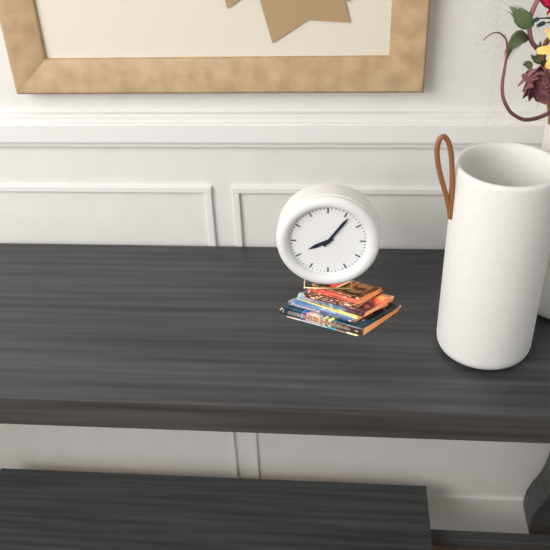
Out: 8h06
